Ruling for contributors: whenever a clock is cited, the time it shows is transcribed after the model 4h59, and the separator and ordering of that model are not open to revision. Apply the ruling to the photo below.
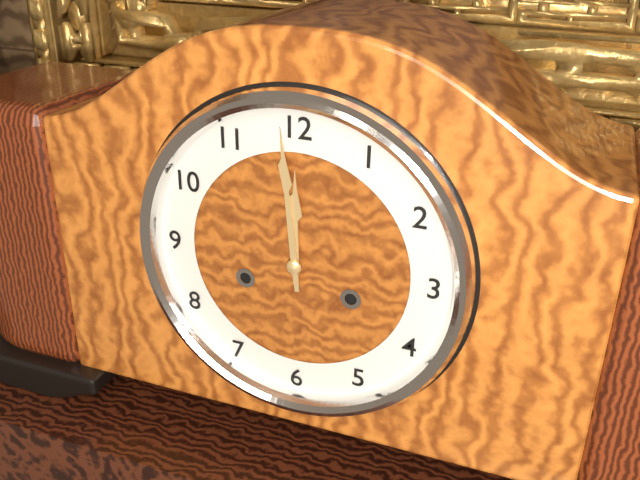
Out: 11h59
